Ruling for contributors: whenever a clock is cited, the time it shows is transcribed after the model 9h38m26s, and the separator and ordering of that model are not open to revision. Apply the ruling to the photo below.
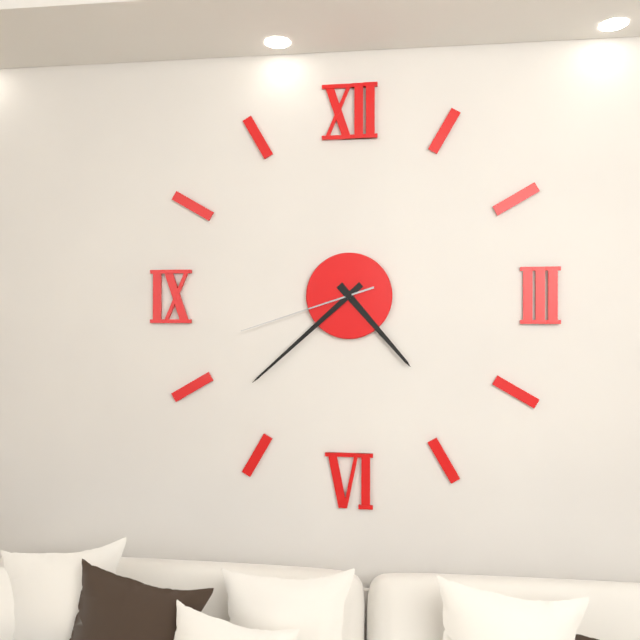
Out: 4h38m42s
